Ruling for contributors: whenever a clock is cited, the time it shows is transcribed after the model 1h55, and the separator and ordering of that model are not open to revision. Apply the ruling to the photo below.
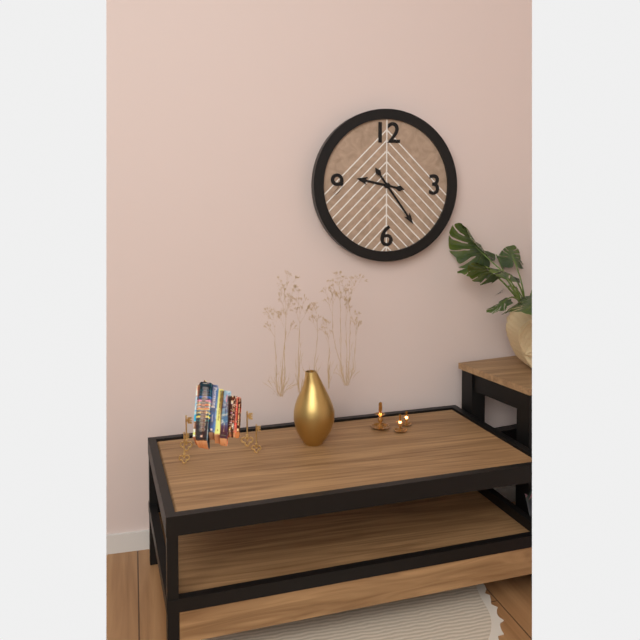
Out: 9h24
